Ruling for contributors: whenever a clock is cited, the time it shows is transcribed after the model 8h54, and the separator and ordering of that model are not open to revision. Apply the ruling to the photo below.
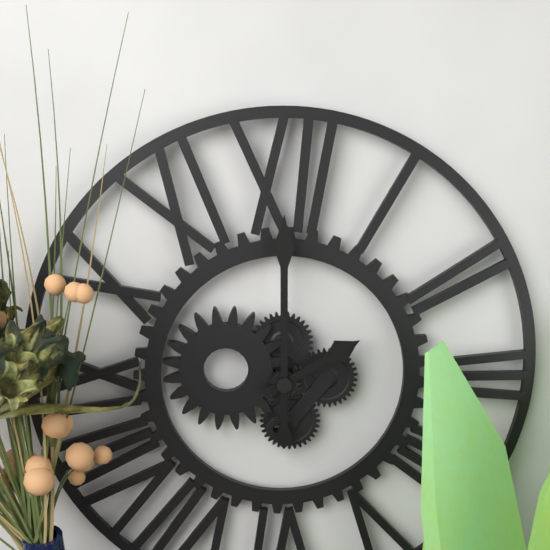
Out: 2h00
